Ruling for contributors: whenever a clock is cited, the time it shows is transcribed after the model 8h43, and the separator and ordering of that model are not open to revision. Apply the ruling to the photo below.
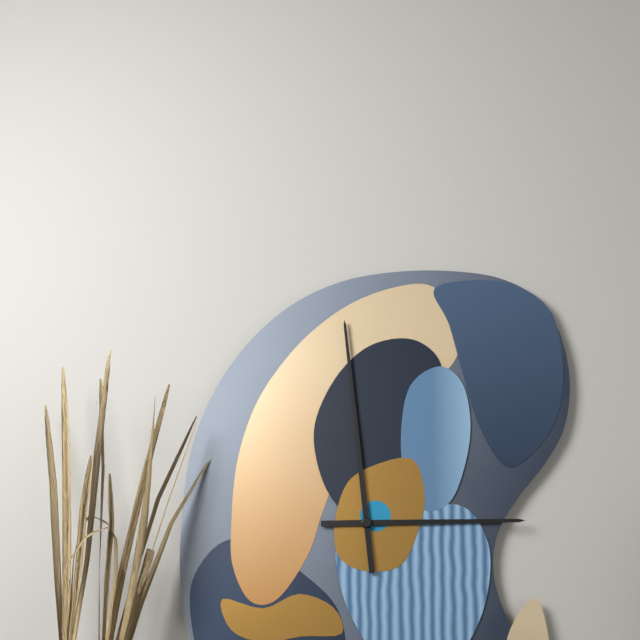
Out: 2h59
